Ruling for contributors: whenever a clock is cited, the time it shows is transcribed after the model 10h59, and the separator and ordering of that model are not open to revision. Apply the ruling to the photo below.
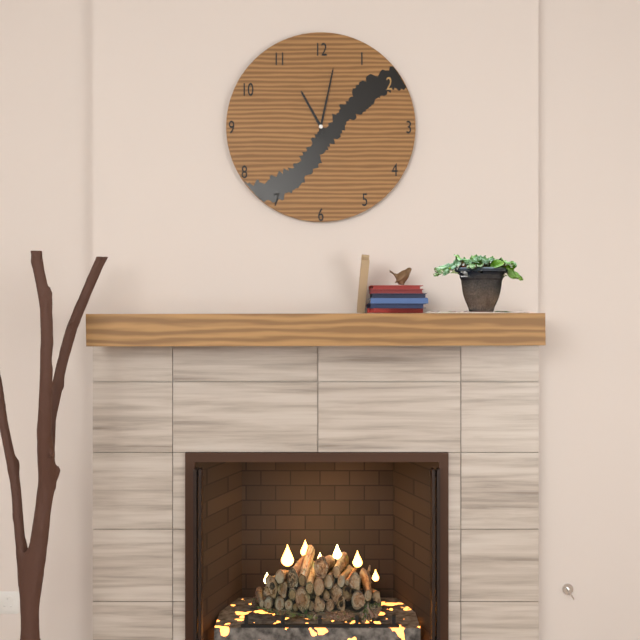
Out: 11h02
